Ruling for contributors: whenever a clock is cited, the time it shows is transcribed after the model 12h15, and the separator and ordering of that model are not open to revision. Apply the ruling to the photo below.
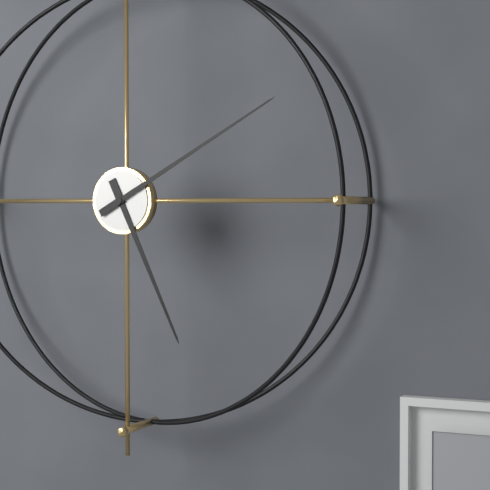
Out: 5h10
